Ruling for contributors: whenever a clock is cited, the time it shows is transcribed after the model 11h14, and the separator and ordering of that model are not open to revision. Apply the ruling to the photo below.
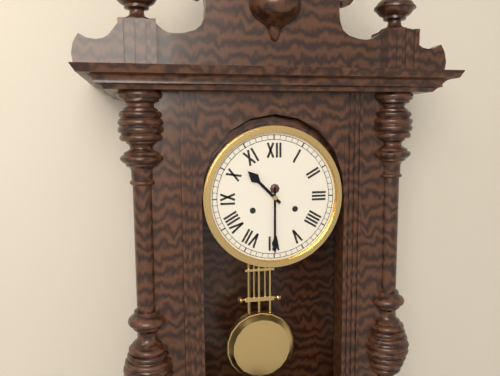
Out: 10h30
